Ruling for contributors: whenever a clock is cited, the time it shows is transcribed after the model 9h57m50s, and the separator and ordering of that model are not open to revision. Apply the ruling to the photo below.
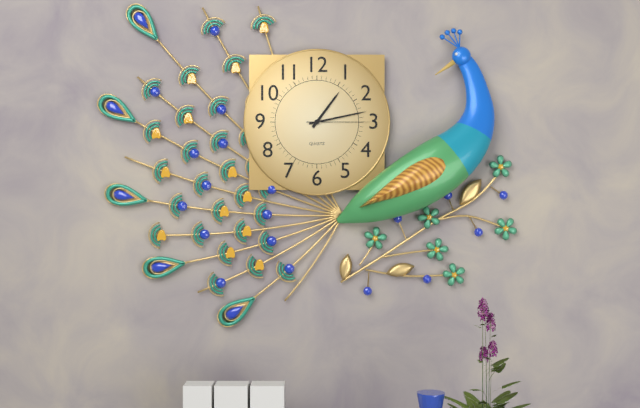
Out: 1h13m15s
